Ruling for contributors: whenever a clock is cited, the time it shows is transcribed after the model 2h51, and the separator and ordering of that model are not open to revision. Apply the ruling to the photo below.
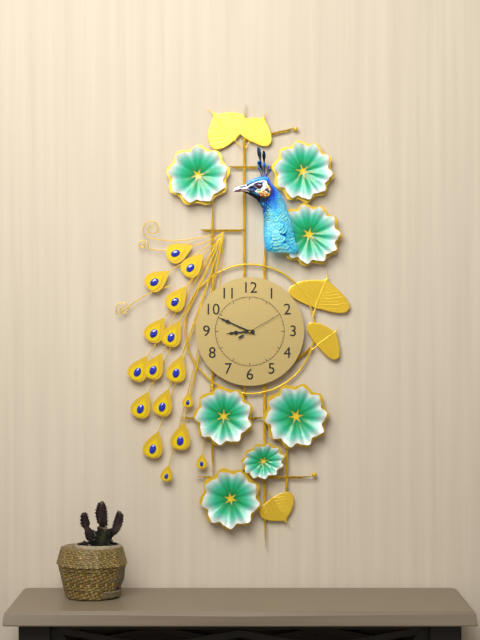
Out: 8h49
